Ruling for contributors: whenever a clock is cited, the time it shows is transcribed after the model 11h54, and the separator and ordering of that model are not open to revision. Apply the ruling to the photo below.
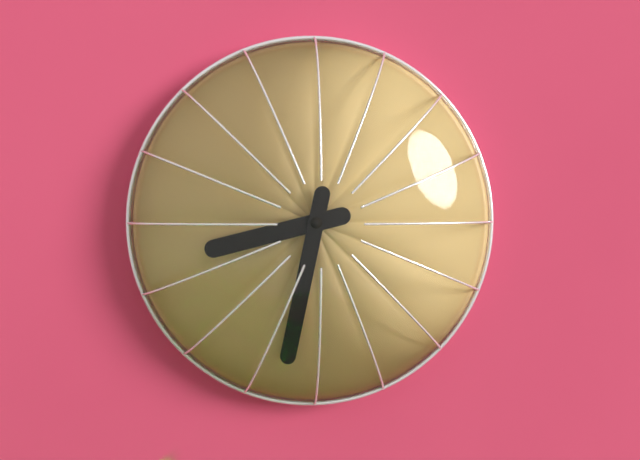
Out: 8h32
